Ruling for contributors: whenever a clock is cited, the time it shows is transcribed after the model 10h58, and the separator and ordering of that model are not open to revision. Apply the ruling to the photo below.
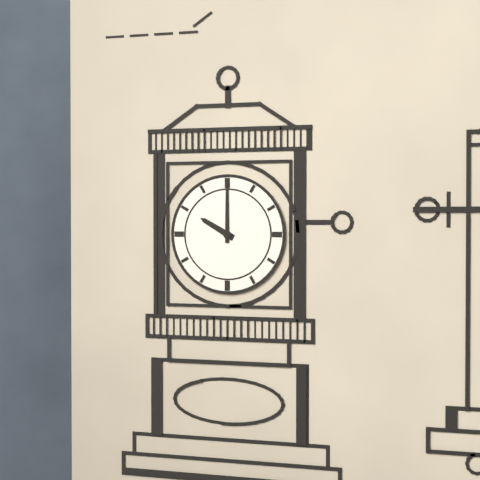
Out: 10h00
